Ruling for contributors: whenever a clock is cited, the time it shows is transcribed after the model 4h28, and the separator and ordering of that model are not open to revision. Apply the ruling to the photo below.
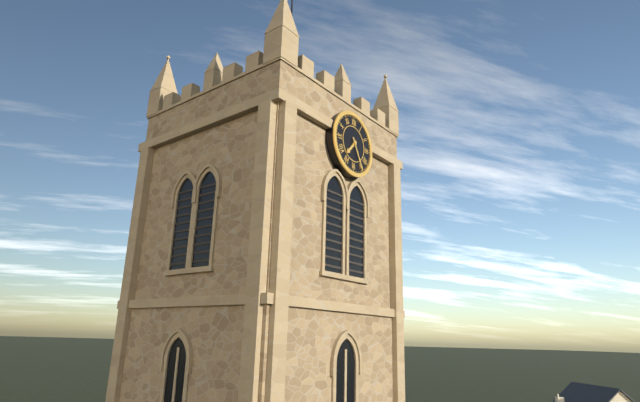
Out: 7h25
